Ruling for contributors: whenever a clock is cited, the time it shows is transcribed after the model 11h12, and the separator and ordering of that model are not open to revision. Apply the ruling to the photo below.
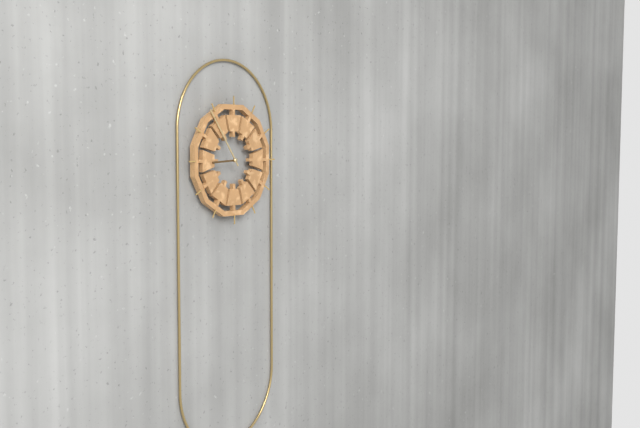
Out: 8h54
